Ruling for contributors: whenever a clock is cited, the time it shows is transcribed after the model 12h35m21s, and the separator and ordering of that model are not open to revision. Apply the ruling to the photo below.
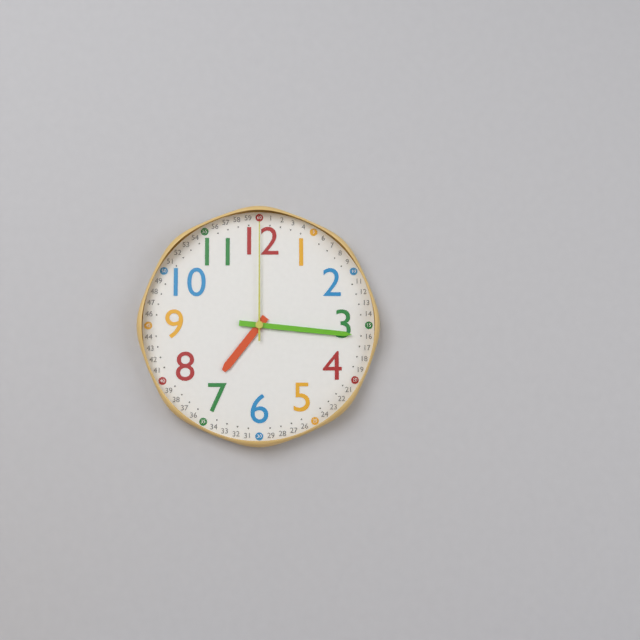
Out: 7h16m00s
